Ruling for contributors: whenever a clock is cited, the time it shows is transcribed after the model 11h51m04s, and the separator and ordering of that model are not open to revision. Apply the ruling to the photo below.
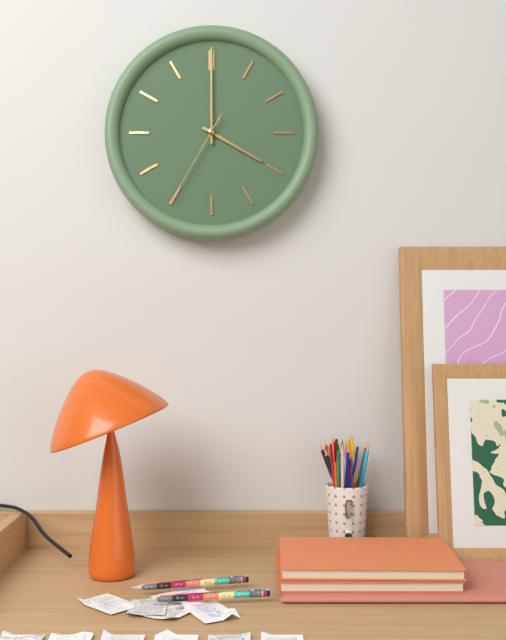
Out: 4h00m35s
